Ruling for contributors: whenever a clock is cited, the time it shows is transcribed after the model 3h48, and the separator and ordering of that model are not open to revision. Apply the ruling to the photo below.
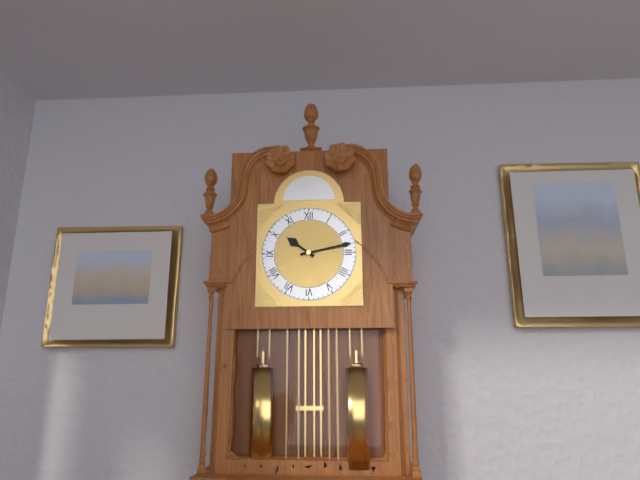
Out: 10h13
